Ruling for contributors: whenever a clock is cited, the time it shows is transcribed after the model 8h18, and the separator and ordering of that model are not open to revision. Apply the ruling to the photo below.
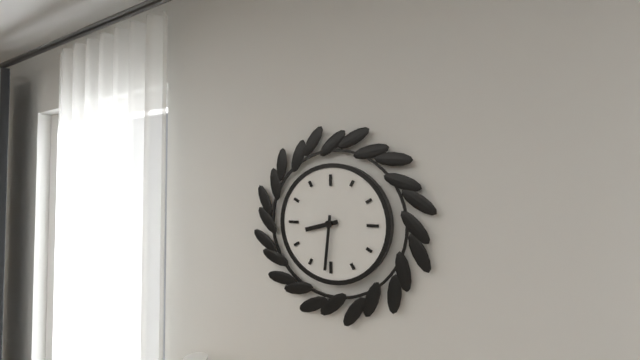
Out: 8h31
